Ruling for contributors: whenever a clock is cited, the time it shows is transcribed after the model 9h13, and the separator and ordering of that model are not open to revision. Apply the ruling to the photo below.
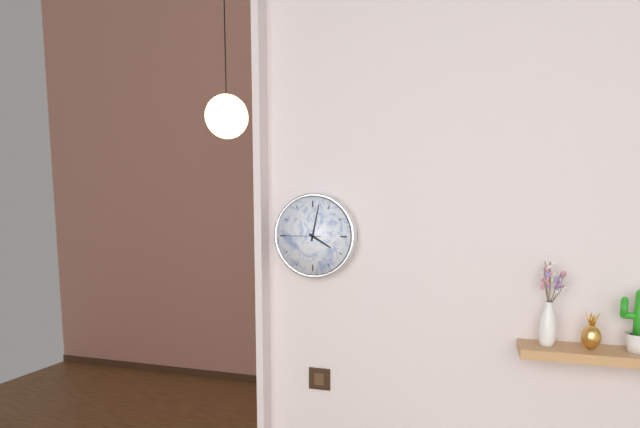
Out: 4h02
